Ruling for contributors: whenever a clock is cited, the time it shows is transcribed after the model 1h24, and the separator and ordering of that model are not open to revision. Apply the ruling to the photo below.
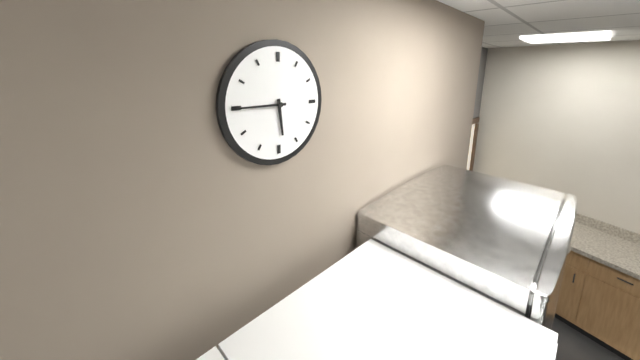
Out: 5h45
